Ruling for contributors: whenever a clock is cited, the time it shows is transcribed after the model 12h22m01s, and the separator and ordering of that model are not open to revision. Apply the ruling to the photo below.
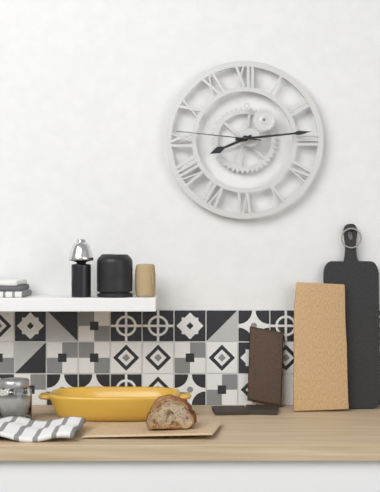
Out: 8h14m46s
